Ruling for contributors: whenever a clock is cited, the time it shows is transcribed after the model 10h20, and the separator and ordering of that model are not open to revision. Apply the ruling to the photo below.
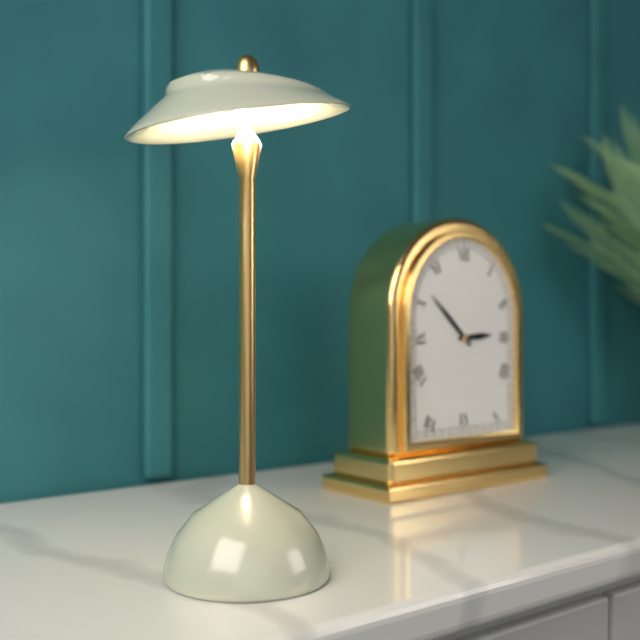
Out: 2h52
